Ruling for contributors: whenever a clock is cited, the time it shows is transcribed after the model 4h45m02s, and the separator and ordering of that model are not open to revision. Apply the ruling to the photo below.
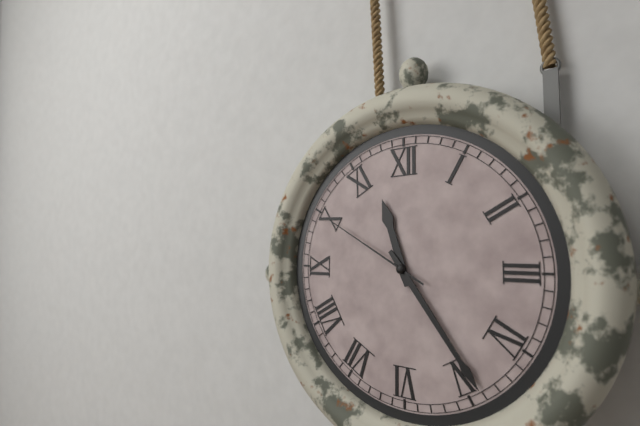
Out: 11h24m50s
